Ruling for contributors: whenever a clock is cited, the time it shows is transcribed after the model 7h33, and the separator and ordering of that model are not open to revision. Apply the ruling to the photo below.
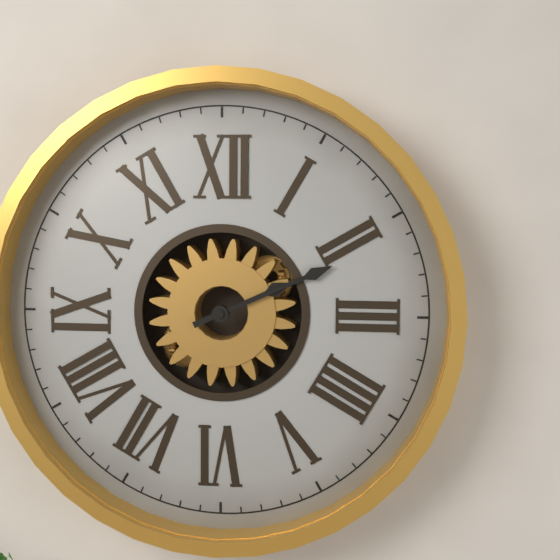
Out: 2h11
